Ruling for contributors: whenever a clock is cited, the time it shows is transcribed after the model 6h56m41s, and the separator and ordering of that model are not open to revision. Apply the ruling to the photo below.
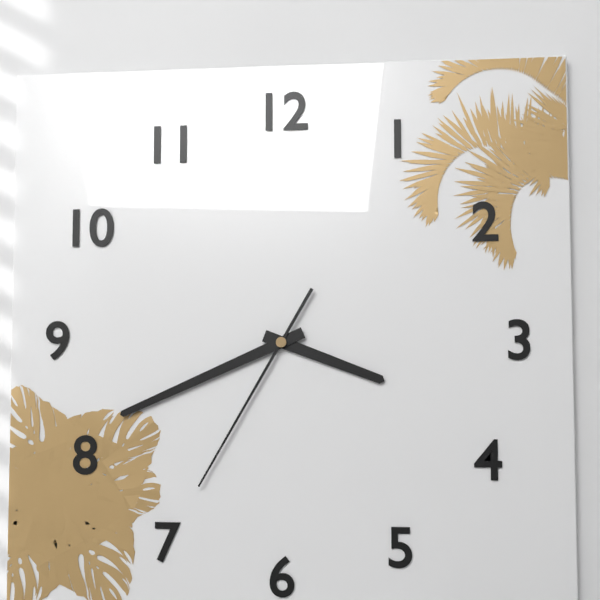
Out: 3h41m35s
